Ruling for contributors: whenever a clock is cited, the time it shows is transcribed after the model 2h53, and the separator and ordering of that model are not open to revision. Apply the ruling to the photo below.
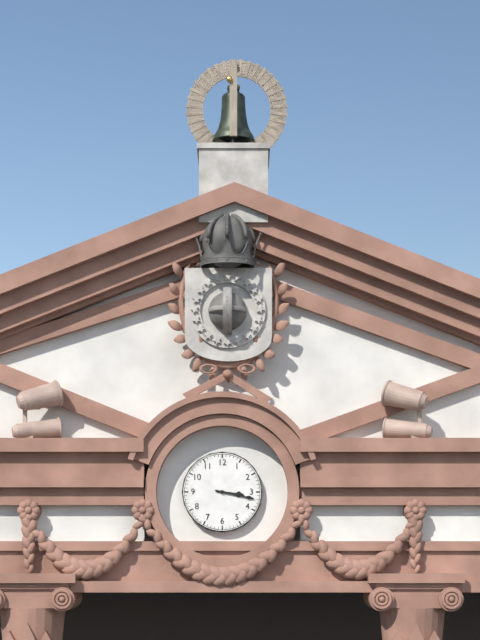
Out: 3h17
